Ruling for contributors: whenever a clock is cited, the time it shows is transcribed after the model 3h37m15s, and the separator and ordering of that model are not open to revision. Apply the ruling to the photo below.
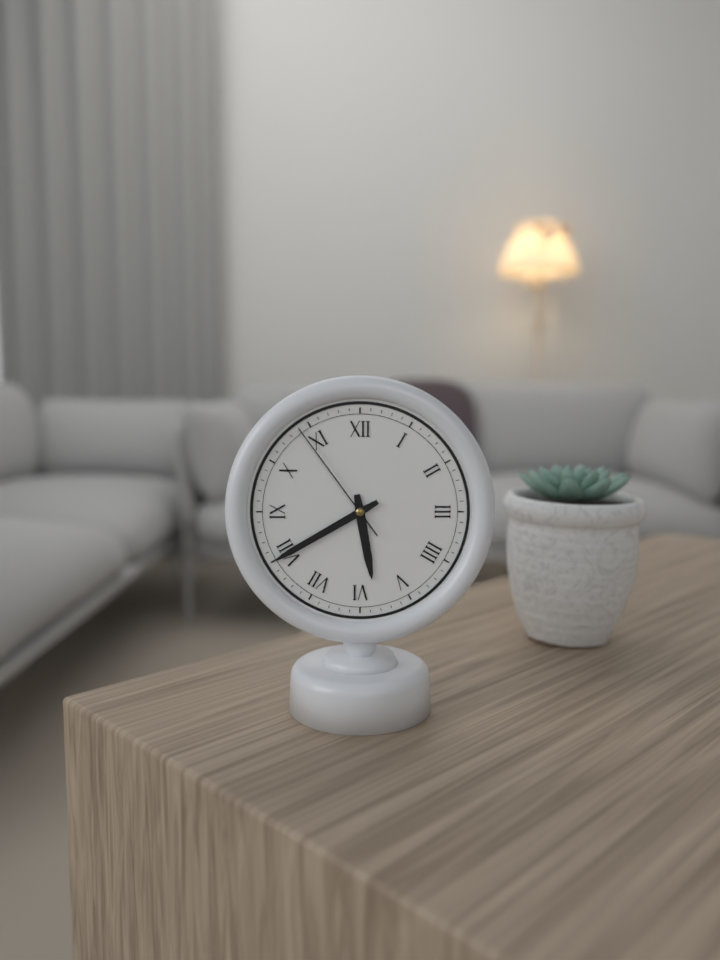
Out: 5h40m54s
